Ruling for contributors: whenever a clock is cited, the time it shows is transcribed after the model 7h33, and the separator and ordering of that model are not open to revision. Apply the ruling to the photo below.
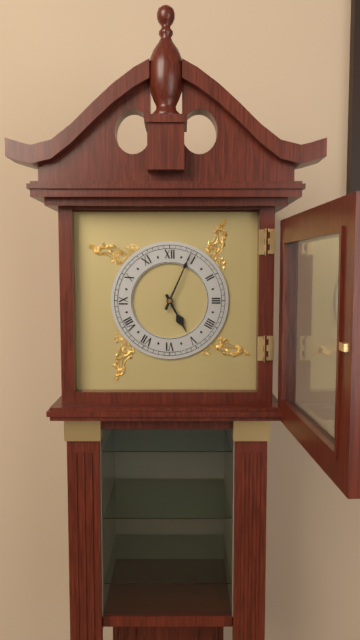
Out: 5h04
